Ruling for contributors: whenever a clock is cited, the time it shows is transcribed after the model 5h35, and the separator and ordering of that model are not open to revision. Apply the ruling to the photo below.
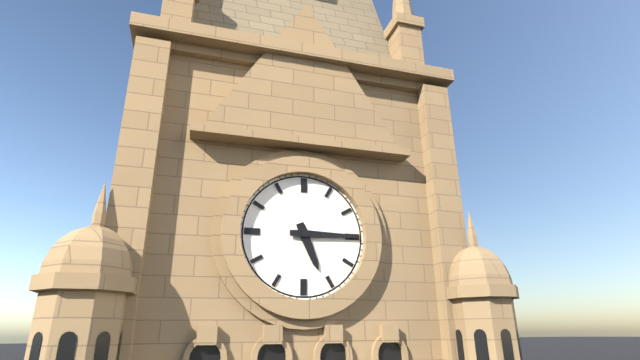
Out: 5h15
